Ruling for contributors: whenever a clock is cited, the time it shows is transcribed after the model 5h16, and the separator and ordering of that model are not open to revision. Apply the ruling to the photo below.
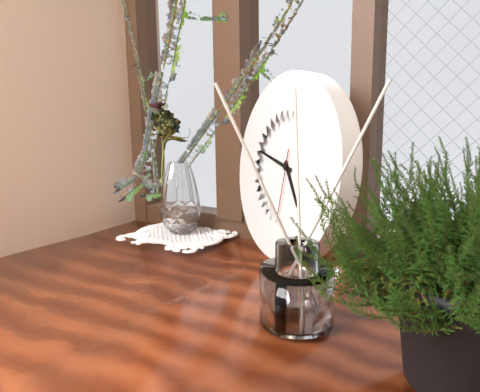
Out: 4h47
